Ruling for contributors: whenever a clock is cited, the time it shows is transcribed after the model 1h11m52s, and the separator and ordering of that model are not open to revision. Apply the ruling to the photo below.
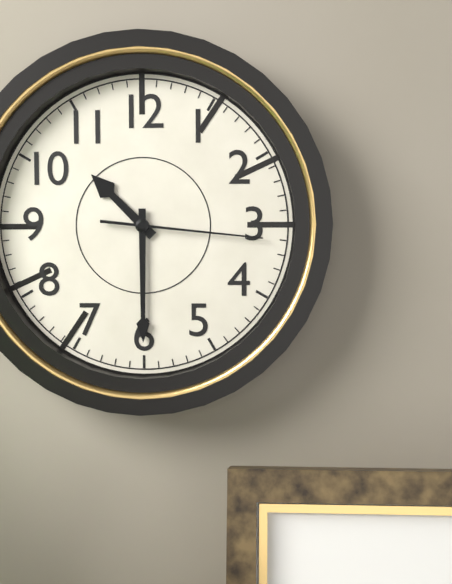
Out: 10h30m16s
